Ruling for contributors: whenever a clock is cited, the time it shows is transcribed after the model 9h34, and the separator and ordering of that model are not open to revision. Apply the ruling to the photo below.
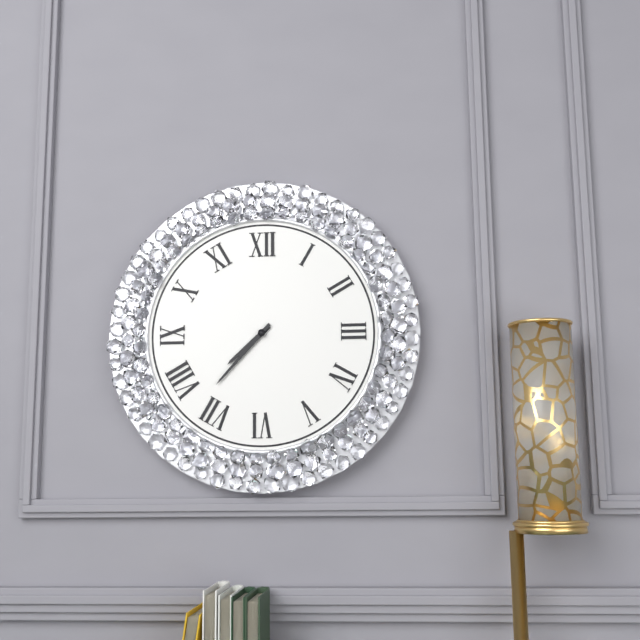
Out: 7h37
